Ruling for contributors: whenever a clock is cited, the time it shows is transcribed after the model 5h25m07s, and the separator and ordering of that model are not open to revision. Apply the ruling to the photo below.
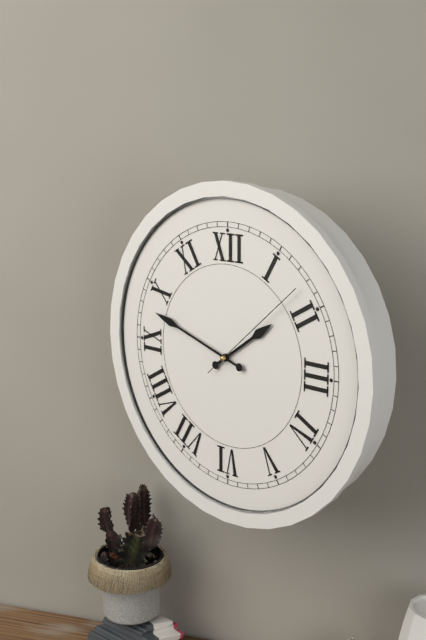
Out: 1h48m08s
